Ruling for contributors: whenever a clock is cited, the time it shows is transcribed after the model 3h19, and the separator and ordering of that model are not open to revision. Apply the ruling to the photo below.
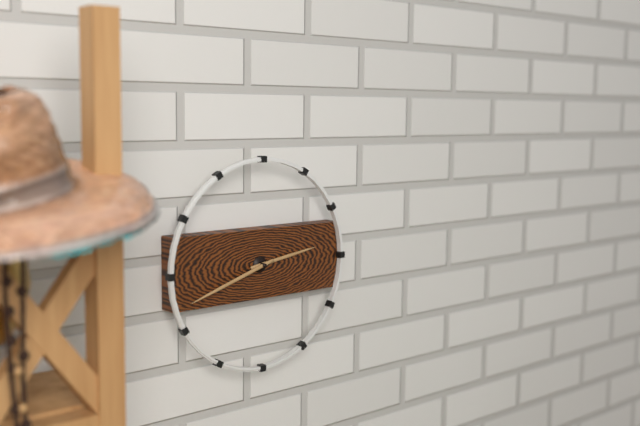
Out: 2h42
